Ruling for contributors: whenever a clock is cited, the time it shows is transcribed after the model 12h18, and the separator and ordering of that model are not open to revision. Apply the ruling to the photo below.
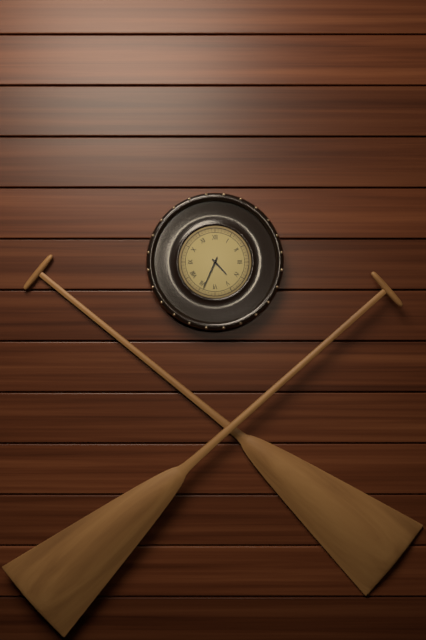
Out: 4h34
